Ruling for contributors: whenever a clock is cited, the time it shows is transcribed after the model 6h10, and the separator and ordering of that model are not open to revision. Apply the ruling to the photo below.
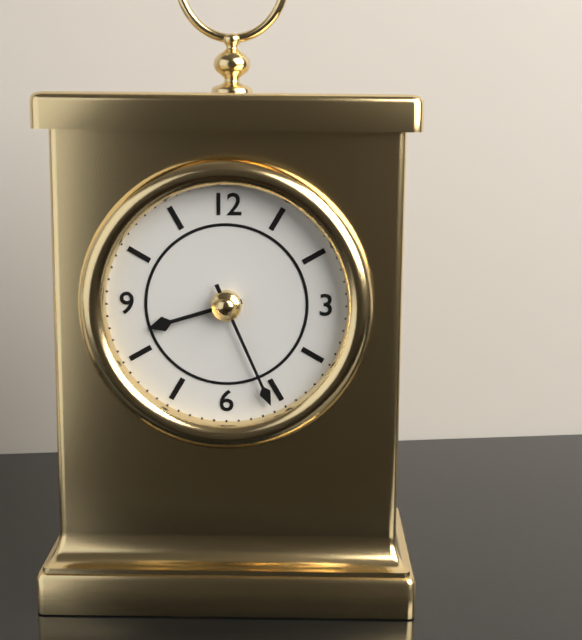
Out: 8h26
